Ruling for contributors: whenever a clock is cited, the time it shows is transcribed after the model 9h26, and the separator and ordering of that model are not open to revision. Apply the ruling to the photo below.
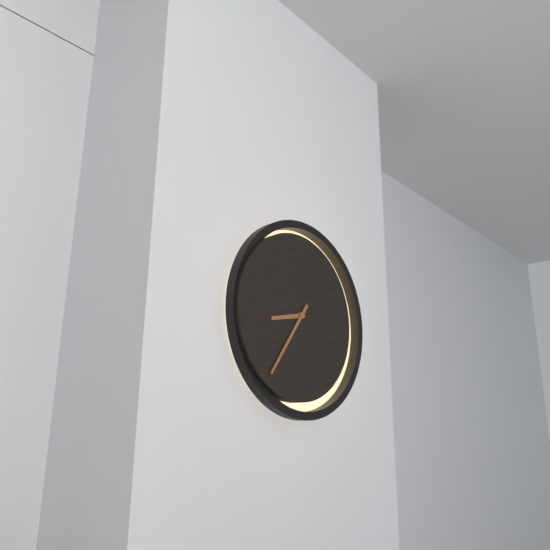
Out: 8h36
